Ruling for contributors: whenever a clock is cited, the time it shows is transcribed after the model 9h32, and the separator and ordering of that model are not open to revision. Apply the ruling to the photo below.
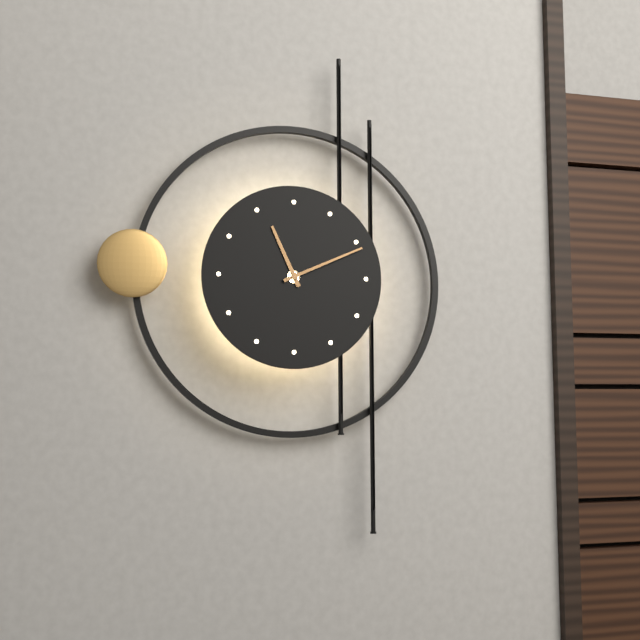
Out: 11h11
